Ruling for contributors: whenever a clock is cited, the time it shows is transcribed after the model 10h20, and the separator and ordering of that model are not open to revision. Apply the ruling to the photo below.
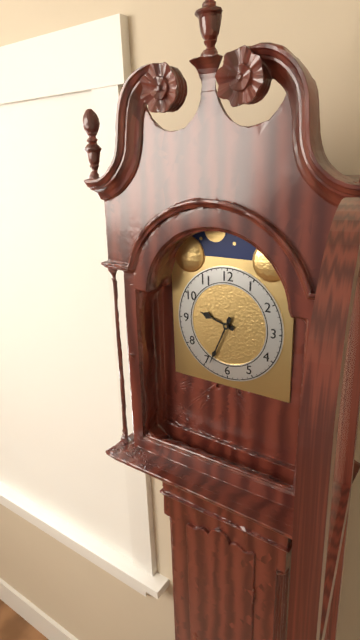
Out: 9h34
